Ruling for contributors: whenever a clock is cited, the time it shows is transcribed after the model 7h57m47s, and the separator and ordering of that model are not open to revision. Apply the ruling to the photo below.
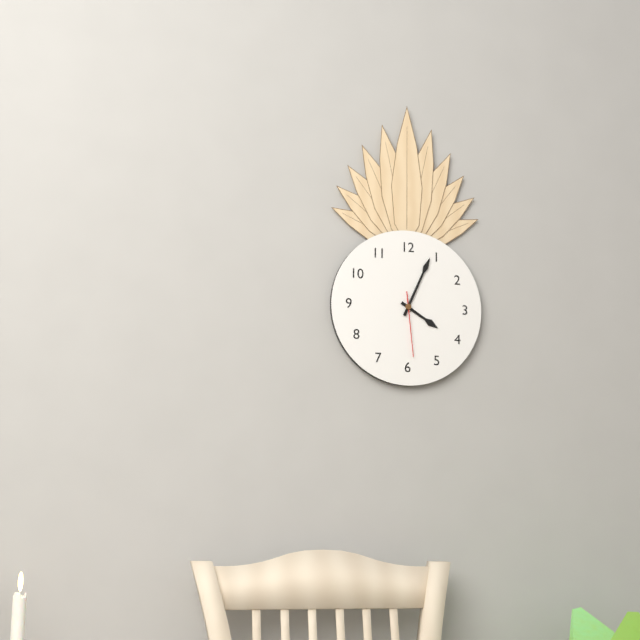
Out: 4h04m29s
